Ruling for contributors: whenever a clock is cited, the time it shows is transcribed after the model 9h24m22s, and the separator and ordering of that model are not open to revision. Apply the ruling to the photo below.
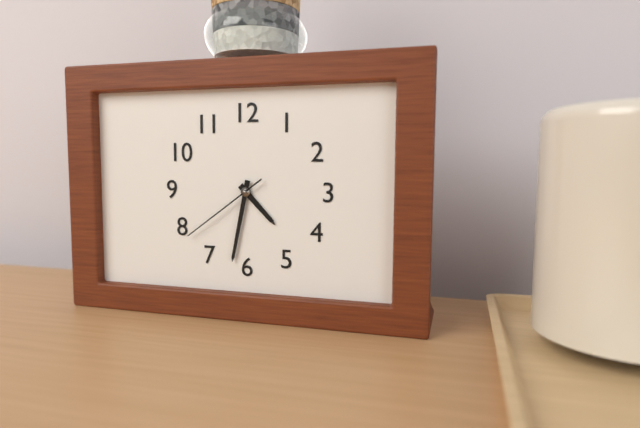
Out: 4h32m39s
